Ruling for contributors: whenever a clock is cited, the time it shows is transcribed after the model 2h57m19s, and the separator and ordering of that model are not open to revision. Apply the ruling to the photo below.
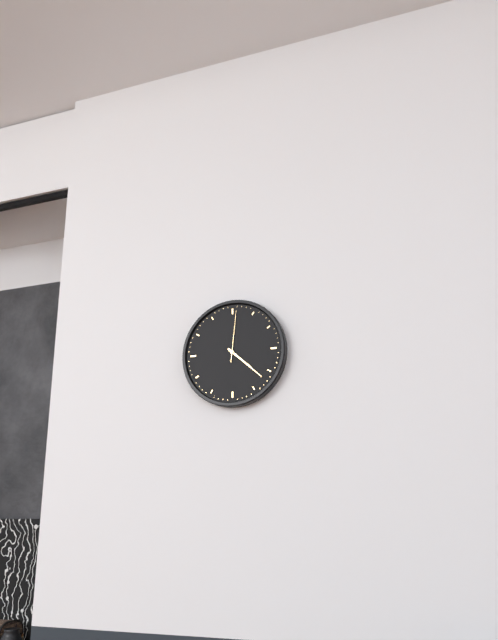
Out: 4h22m01s
